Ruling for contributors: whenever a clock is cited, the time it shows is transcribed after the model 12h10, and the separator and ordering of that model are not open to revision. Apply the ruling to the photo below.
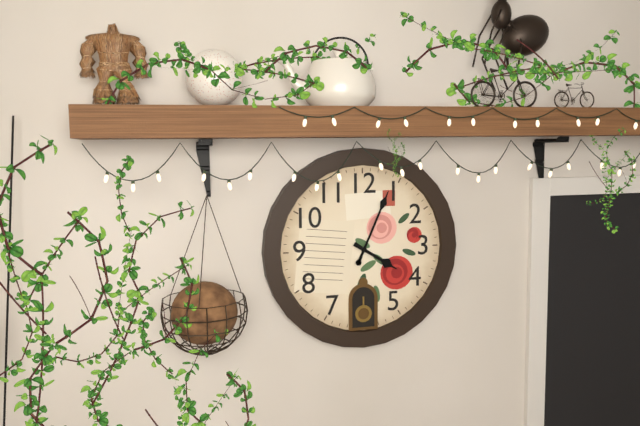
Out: 4h04
